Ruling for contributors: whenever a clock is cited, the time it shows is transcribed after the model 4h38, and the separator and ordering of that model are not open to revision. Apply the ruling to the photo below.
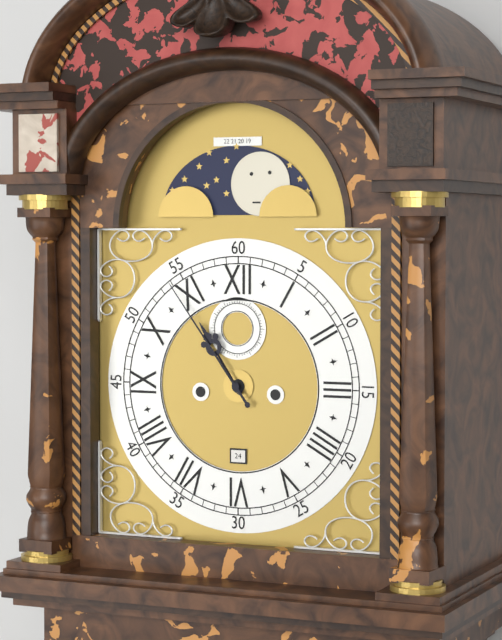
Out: 10h54
